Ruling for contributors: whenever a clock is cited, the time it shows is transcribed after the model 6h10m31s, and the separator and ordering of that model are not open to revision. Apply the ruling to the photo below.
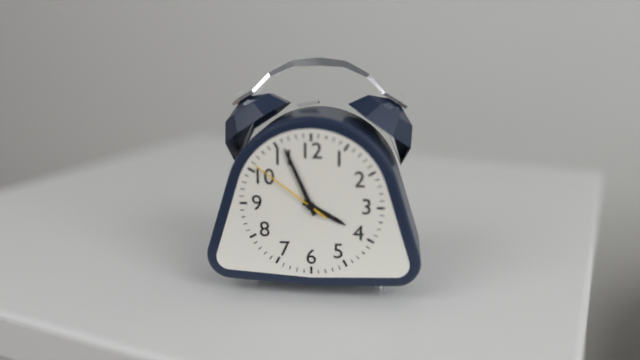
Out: 3h56m51s
